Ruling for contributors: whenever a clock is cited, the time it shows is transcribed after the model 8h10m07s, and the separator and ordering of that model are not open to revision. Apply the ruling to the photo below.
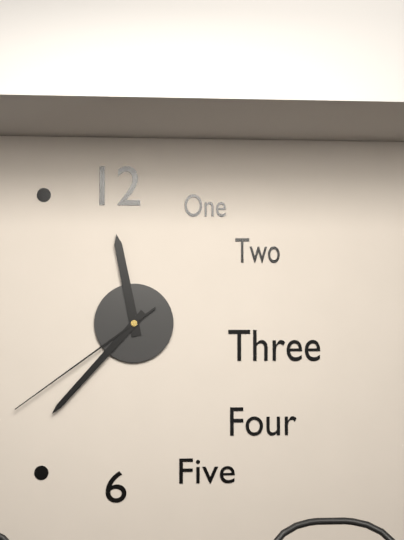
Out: 11h37m39s
